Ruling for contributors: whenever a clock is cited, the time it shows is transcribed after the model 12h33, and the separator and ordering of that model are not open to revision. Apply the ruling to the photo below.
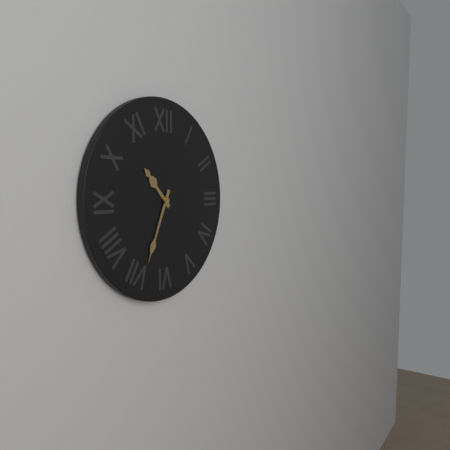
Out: 10h34
